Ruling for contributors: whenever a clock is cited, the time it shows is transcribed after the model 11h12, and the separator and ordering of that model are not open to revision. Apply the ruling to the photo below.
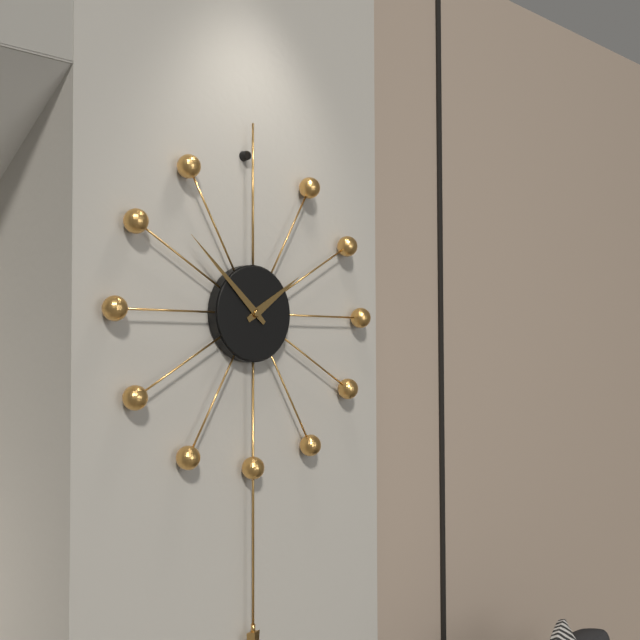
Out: 1h52
